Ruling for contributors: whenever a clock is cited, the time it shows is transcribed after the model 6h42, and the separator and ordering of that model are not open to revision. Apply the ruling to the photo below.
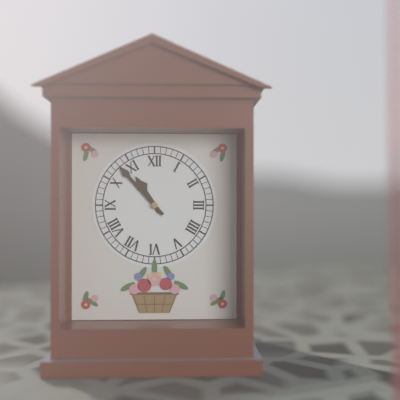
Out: 10h53
